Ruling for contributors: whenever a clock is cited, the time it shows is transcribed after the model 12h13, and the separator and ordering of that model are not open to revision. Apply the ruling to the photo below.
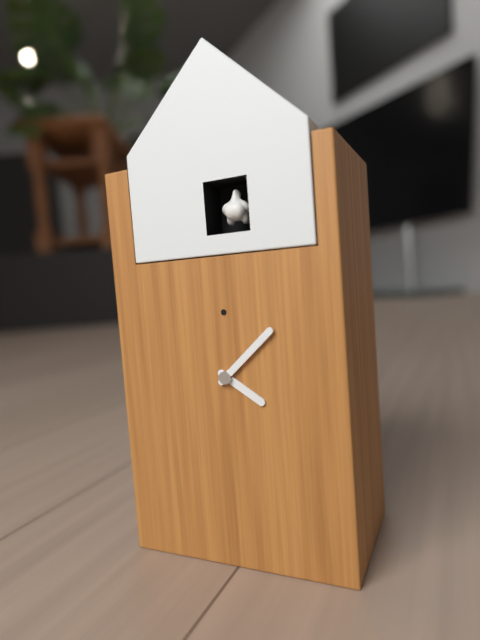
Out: 4h08
